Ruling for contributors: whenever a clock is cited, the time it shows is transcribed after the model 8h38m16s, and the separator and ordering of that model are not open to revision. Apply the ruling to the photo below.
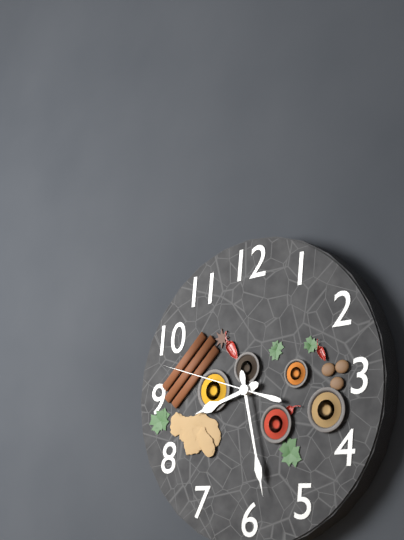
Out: 8h28m48s
